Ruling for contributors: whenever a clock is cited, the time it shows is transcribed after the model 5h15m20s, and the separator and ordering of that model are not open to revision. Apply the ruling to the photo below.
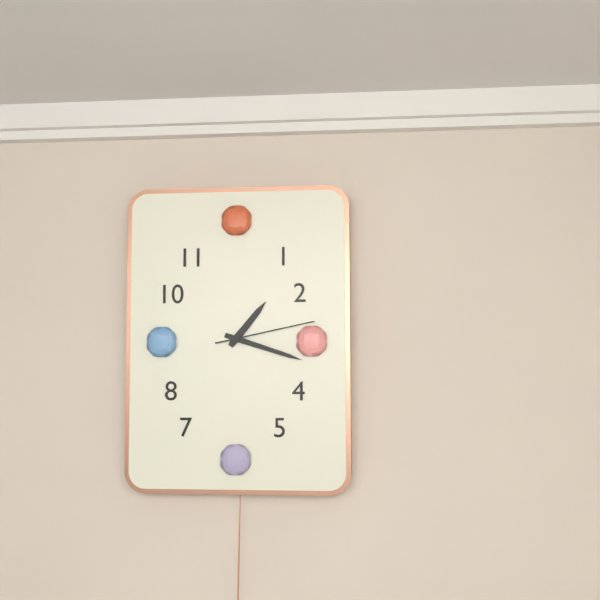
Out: 1h18m13s
